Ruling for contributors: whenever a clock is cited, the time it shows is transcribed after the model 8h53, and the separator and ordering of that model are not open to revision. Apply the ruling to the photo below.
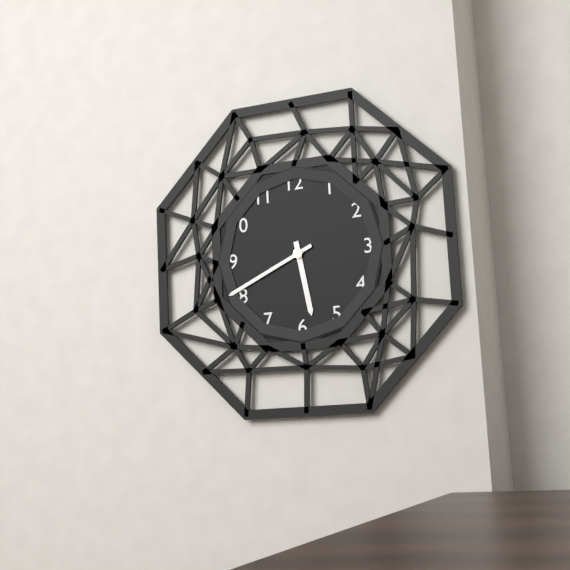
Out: 5h41
